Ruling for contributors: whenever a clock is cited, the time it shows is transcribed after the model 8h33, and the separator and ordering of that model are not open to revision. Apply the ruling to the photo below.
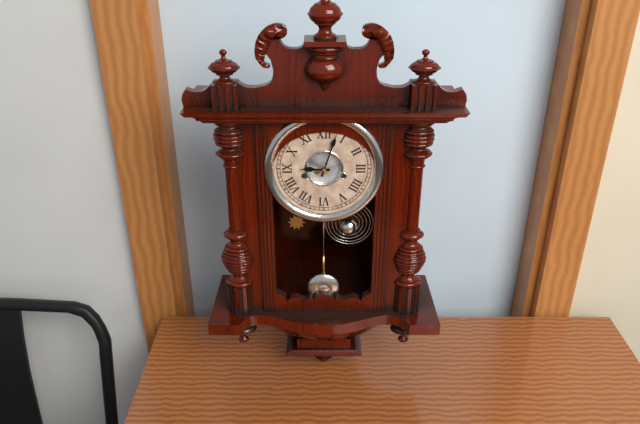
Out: 9h03
